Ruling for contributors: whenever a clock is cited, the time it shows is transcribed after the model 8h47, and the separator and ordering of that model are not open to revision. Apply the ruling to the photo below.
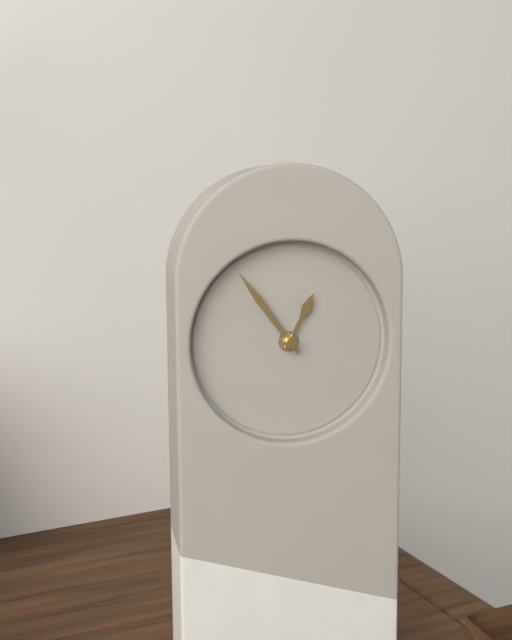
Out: 12h54
